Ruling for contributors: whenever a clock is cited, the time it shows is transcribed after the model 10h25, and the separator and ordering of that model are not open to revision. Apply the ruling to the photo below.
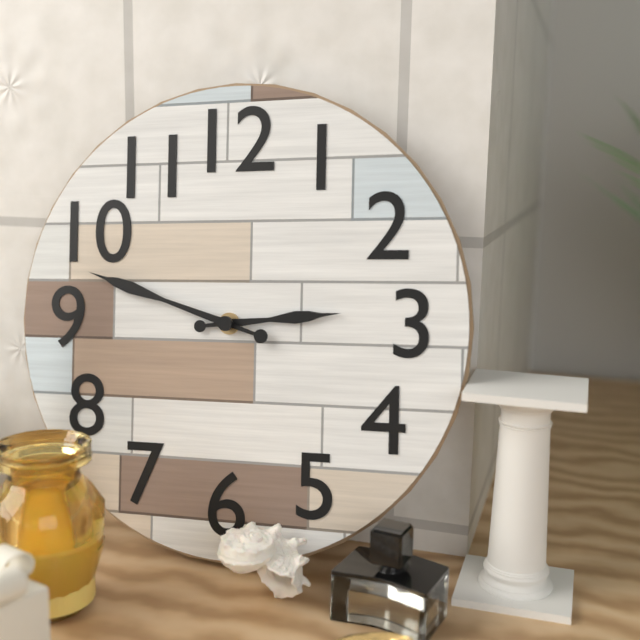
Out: 2h48
